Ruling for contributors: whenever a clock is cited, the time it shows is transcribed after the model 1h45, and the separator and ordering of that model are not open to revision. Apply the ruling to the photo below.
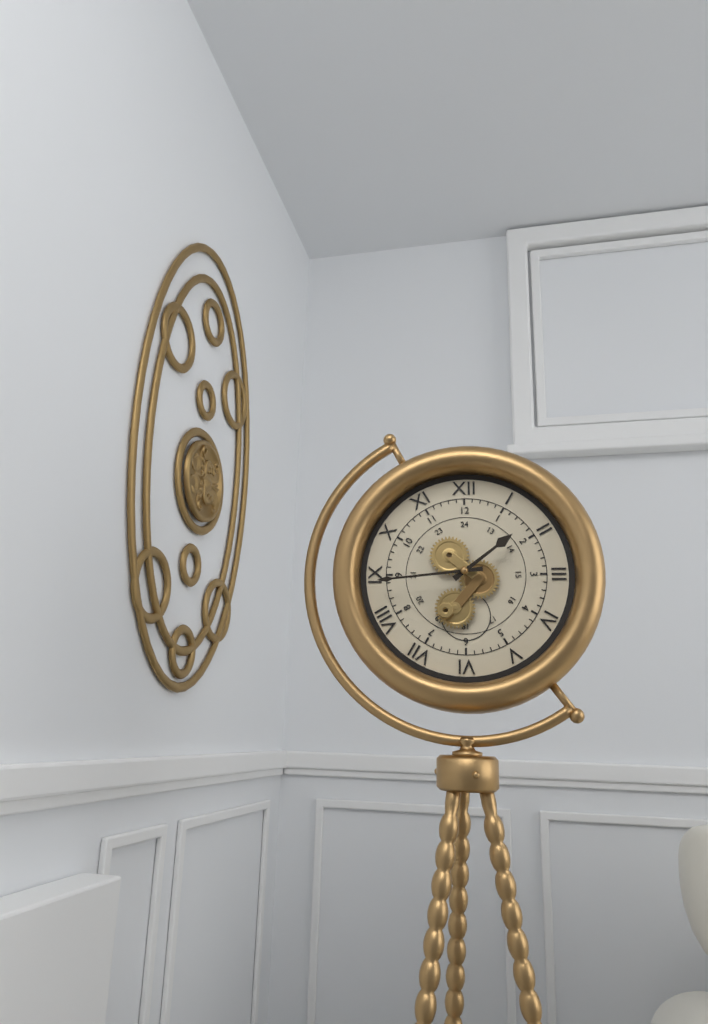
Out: 1h44
